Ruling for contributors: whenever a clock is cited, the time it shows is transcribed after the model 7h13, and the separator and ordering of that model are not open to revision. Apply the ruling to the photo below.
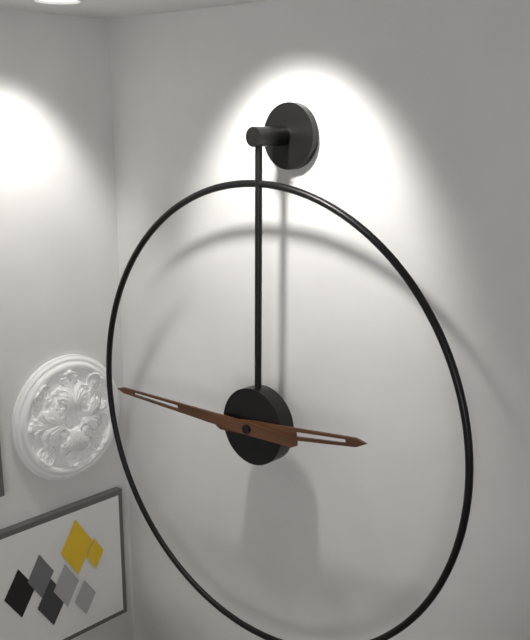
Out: 2h45
